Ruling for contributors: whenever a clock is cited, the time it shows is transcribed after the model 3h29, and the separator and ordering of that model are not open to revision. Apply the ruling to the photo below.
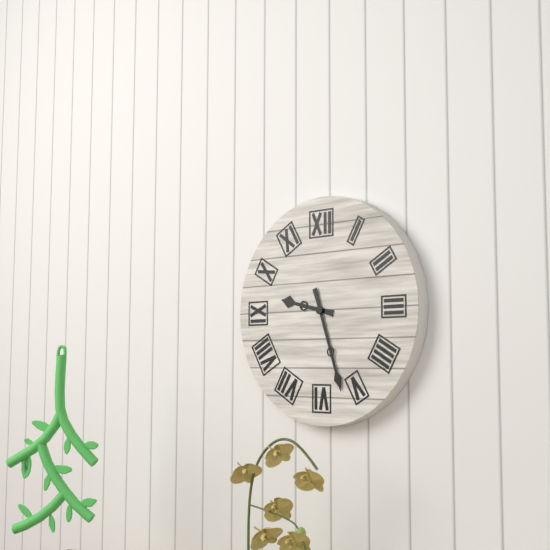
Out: 9h27
